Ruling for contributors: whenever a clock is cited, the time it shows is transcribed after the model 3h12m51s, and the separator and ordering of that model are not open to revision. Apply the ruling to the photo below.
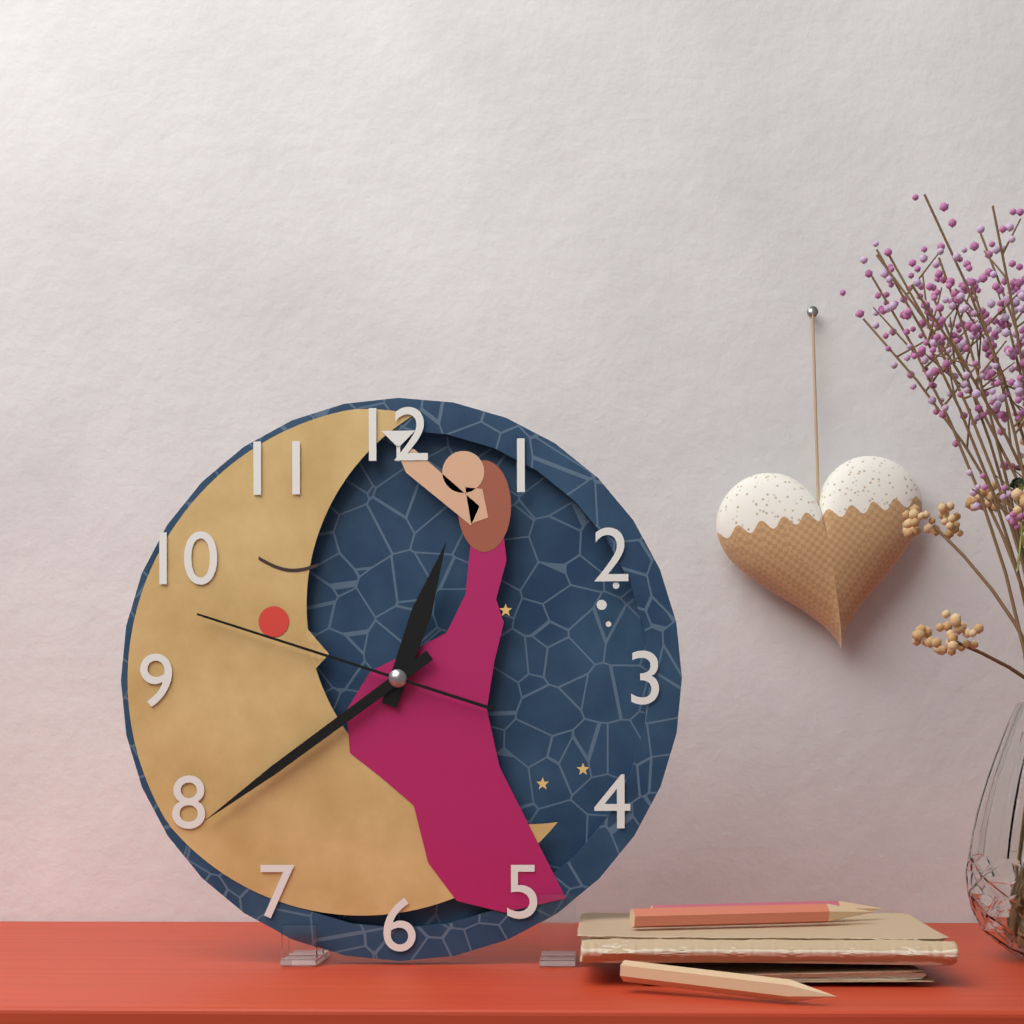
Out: 12h39m48s
